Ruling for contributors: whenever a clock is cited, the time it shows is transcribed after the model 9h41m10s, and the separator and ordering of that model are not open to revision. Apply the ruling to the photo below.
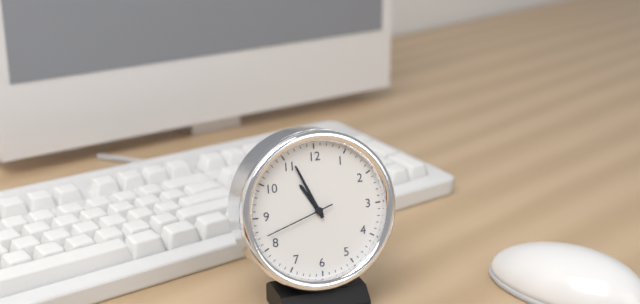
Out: 10h56m42s
